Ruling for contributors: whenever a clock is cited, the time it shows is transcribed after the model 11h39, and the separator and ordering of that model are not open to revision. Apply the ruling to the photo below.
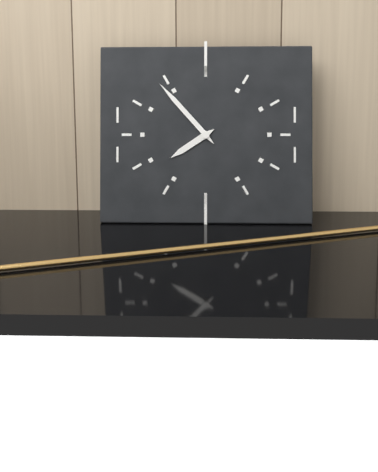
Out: 7h53
